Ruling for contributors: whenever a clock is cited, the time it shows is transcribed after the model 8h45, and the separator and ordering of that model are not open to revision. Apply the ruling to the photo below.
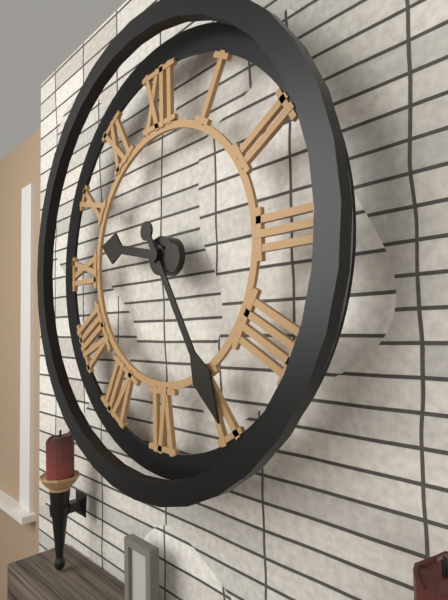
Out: 9h25
